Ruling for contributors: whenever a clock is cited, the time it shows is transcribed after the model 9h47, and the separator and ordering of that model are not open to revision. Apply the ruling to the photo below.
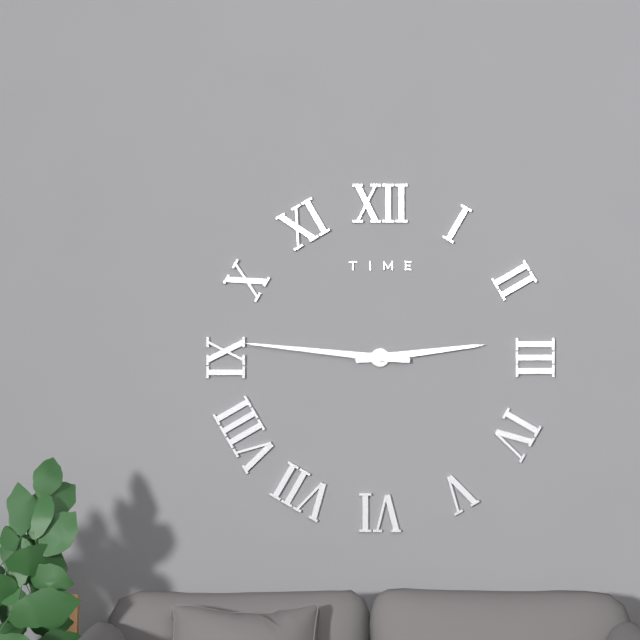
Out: 2h46
